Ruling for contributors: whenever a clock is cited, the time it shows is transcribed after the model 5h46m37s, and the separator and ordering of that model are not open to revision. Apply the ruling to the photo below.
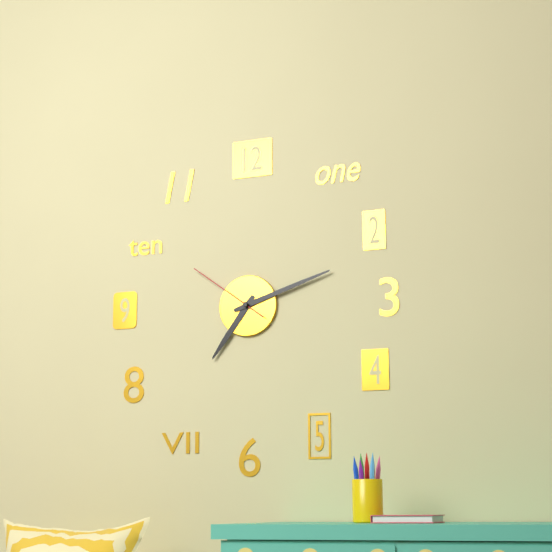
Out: 7h12m51s
